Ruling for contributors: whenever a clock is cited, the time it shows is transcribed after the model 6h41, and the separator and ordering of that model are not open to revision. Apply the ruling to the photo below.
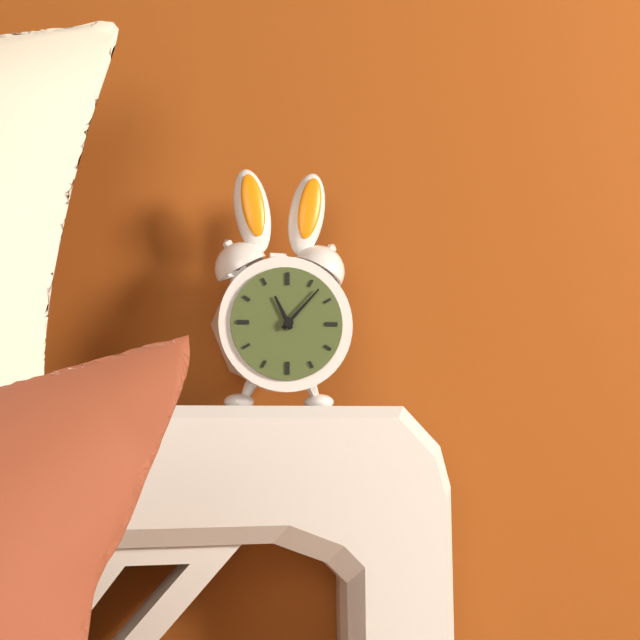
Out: 11h07
